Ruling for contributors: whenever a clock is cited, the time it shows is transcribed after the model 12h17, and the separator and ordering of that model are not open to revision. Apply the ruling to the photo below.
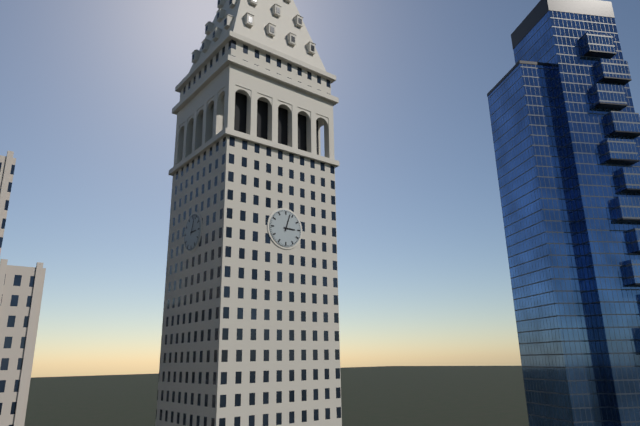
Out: 3h03
